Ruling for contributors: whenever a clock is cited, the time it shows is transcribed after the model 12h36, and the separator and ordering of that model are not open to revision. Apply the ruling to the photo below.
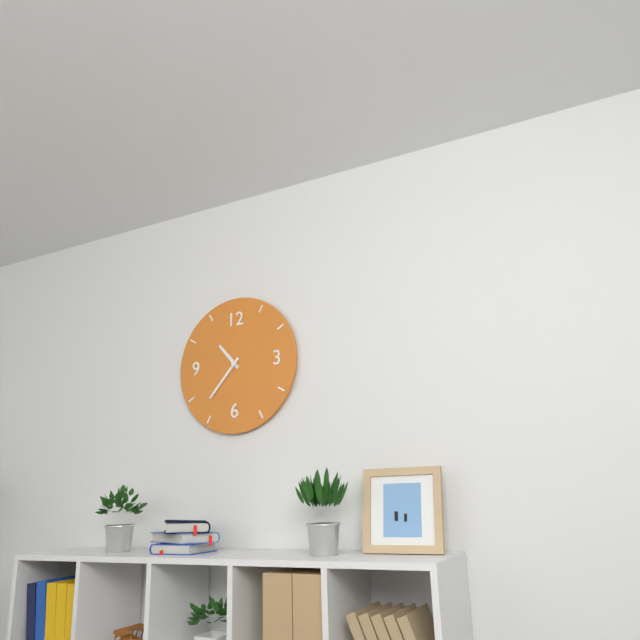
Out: 10h37
